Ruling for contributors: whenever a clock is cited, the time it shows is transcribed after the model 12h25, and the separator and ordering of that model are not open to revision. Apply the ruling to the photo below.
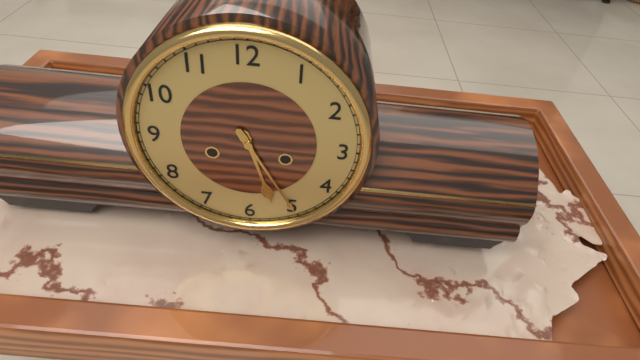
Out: 5h25
